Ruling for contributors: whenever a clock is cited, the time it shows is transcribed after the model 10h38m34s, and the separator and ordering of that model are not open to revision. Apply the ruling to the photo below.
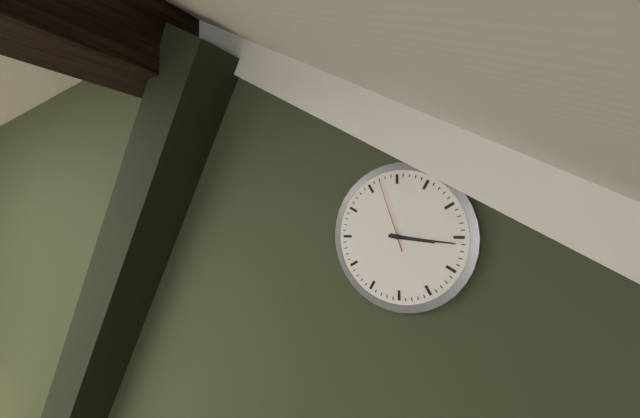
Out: 3h16m57s
